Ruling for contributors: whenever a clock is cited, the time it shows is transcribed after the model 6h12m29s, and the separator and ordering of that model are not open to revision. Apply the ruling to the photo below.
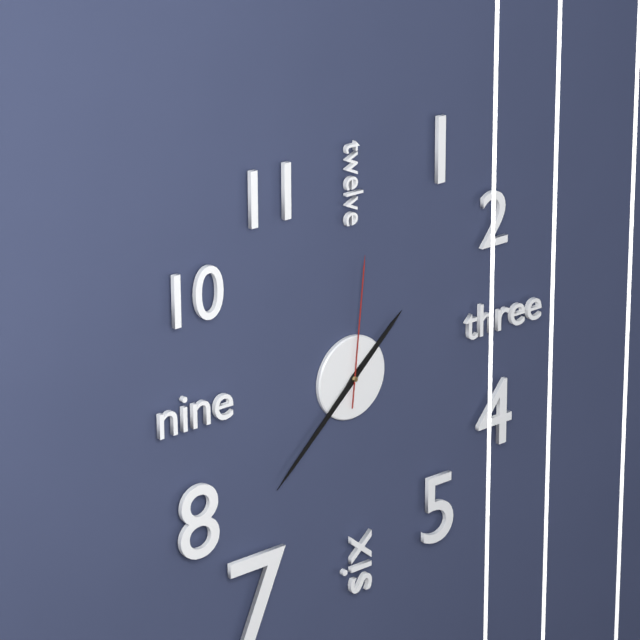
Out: 1h38m01s
